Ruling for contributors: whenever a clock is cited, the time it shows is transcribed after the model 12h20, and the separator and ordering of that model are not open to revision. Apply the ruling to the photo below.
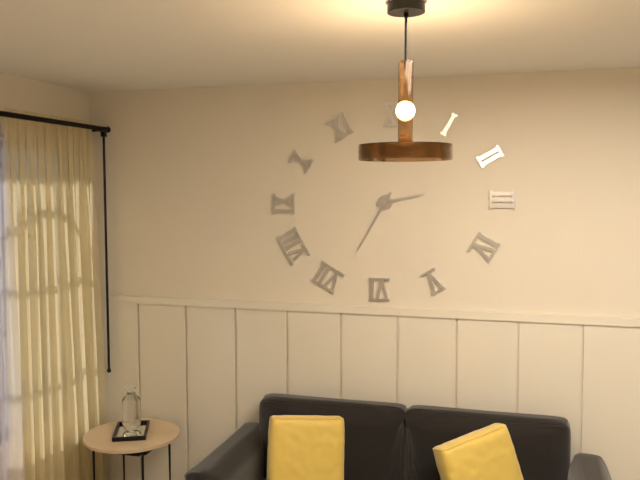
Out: 2h35
